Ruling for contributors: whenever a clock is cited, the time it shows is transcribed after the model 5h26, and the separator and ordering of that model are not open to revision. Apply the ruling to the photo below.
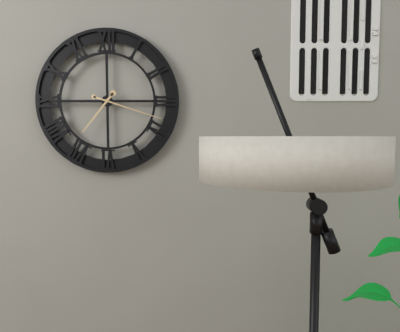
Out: 7h18
